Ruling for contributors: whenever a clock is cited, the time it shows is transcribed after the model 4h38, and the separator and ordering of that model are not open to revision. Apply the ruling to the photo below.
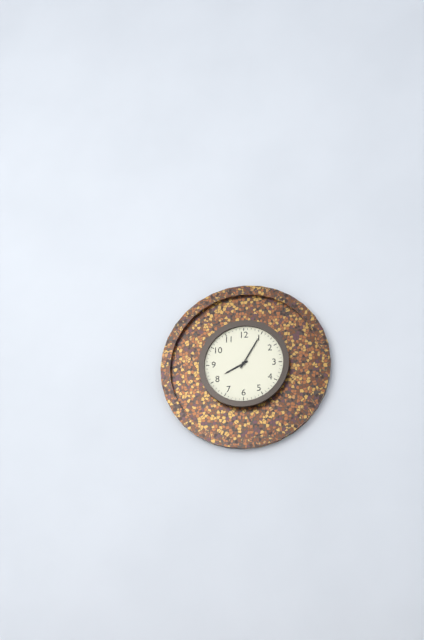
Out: 8h05
